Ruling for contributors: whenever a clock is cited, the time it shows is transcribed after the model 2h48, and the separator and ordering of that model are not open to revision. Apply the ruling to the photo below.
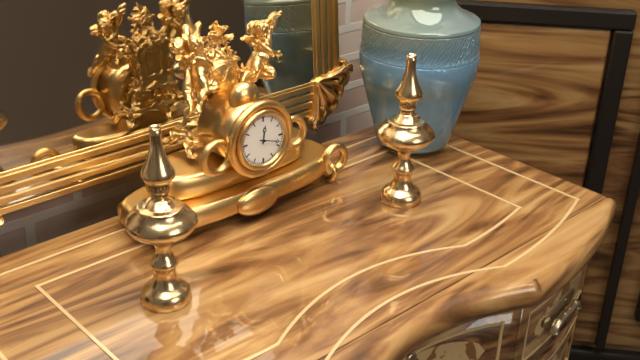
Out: 12h18
